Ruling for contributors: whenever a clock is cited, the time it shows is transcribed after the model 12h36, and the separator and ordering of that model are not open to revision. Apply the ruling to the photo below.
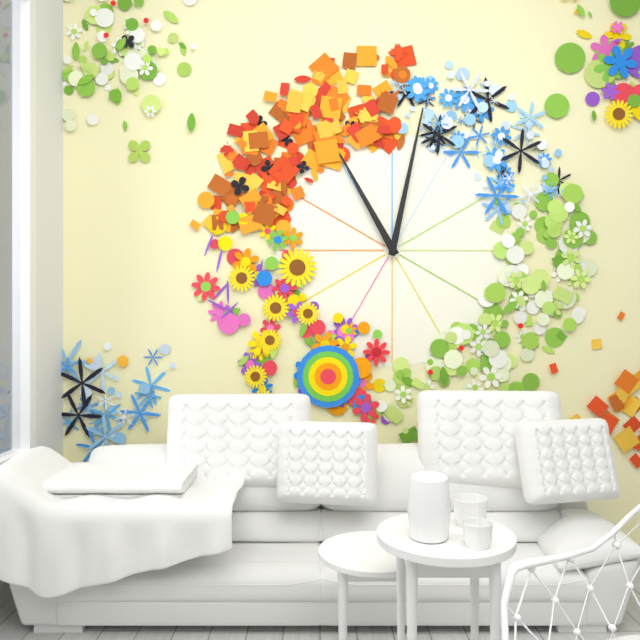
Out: 11h02
